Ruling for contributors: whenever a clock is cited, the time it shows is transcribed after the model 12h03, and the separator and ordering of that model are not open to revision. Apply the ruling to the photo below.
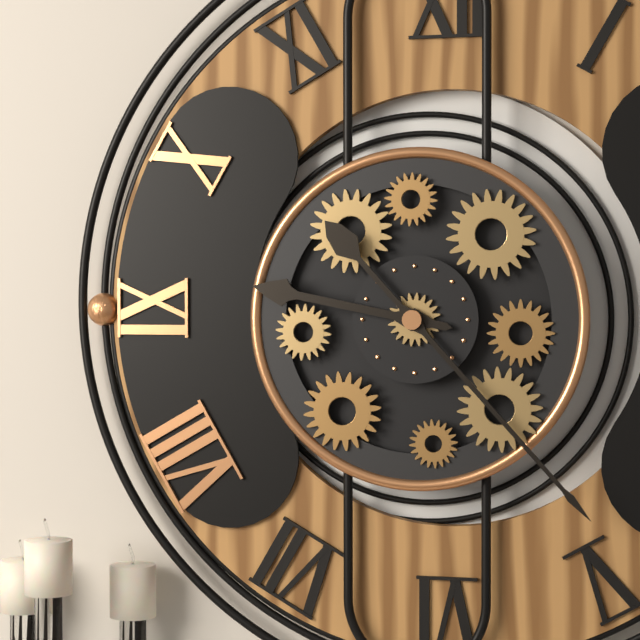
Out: 9h23
